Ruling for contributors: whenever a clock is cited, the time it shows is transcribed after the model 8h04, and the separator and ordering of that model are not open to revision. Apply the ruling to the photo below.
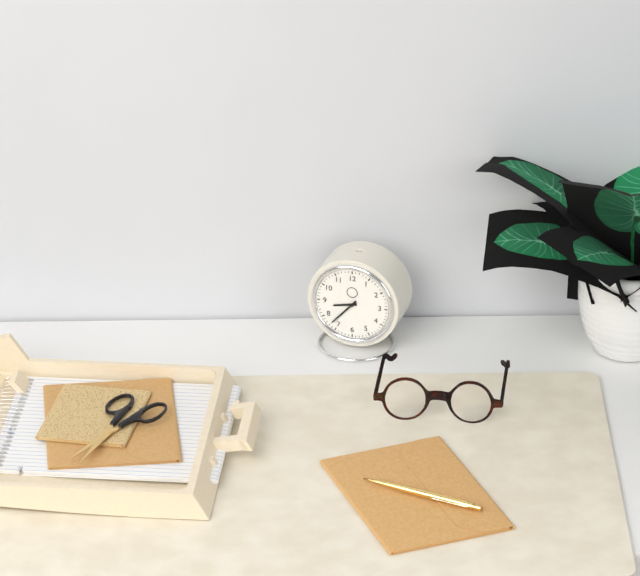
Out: 8h37
